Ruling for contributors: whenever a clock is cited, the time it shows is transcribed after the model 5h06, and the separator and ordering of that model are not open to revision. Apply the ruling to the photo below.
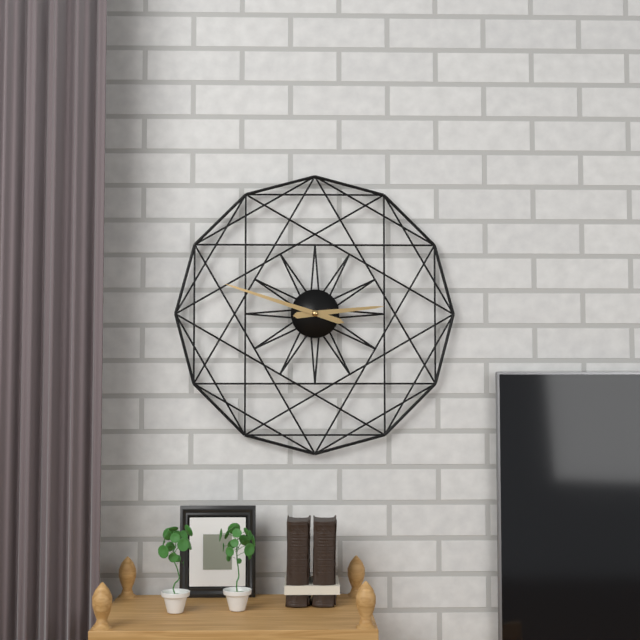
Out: 2h48
